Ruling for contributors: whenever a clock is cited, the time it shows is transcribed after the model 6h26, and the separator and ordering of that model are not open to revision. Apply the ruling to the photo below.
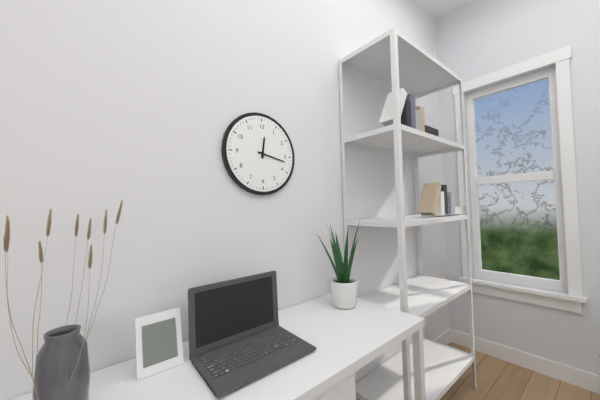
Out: 12h17
